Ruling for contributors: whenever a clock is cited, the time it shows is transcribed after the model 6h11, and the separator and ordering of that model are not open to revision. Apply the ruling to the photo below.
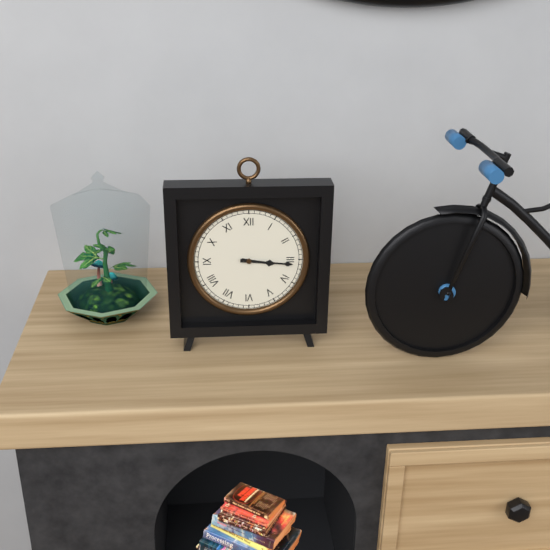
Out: 3h16
